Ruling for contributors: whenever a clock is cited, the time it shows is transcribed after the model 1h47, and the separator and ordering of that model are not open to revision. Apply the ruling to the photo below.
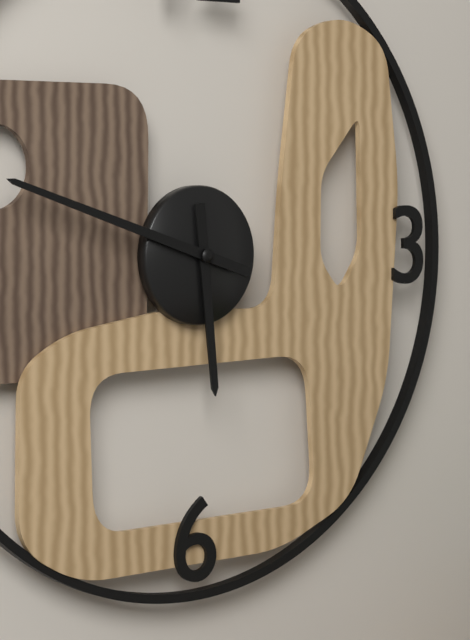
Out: 5h48
